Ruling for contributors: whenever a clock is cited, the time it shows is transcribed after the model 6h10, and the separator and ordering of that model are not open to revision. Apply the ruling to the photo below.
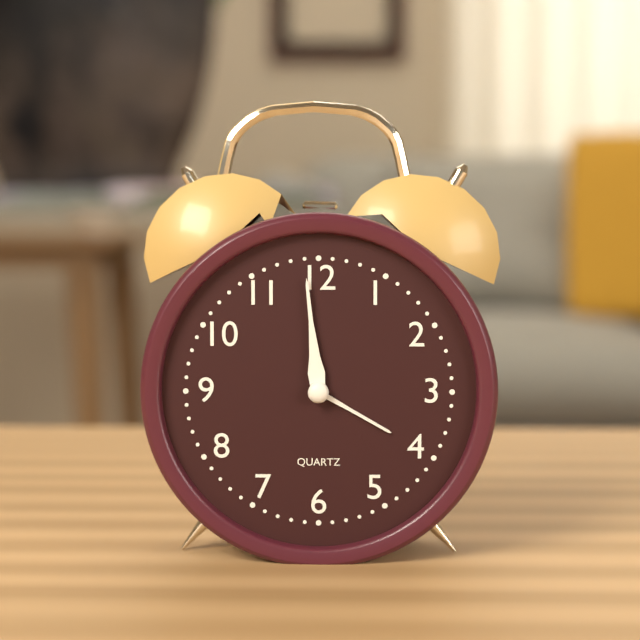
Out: 3h59
